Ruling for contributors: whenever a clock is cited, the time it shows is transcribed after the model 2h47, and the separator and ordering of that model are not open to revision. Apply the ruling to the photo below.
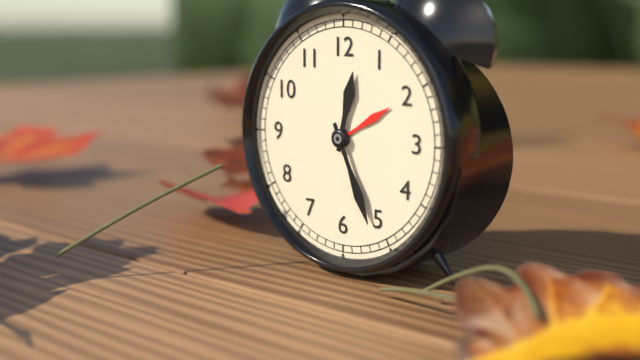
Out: 12h26
